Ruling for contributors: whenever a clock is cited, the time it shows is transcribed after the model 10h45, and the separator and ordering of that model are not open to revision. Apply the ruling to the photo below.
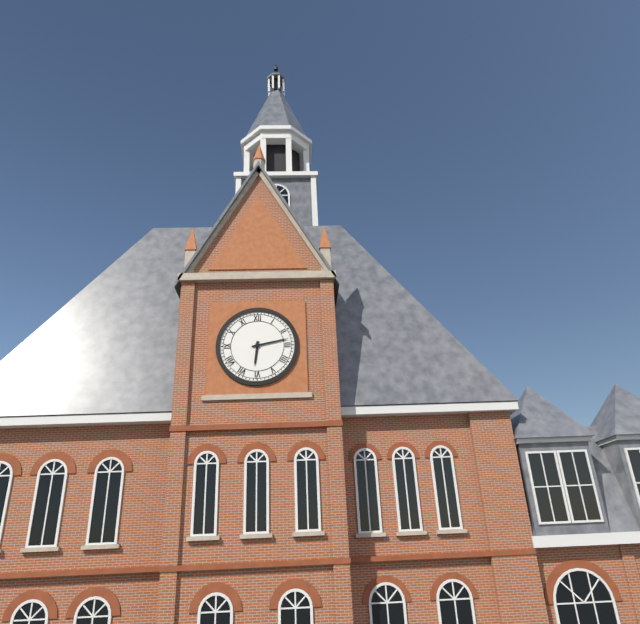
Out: 6h13
